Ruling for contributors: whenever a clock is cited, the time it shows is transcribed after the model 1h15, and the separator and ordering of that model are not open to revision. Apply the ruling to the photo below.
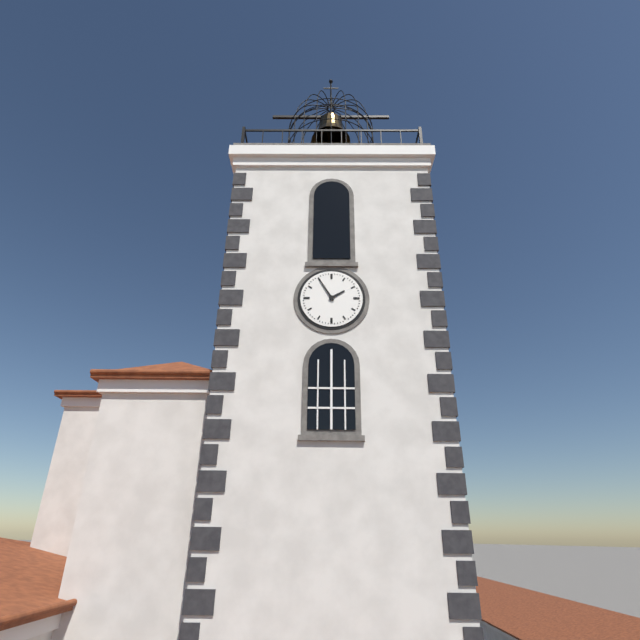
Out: 1h55
